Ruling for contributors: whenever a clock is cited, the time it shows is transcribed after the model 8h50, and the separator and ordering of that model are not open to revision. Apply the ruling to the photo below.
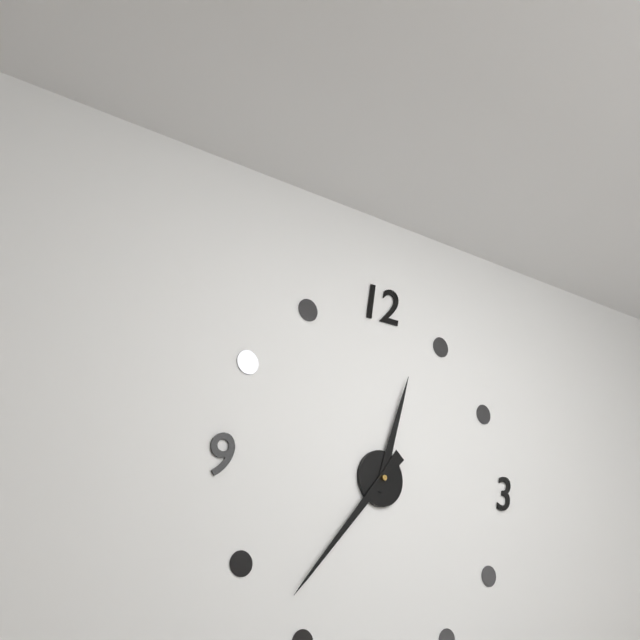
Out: 12h37
